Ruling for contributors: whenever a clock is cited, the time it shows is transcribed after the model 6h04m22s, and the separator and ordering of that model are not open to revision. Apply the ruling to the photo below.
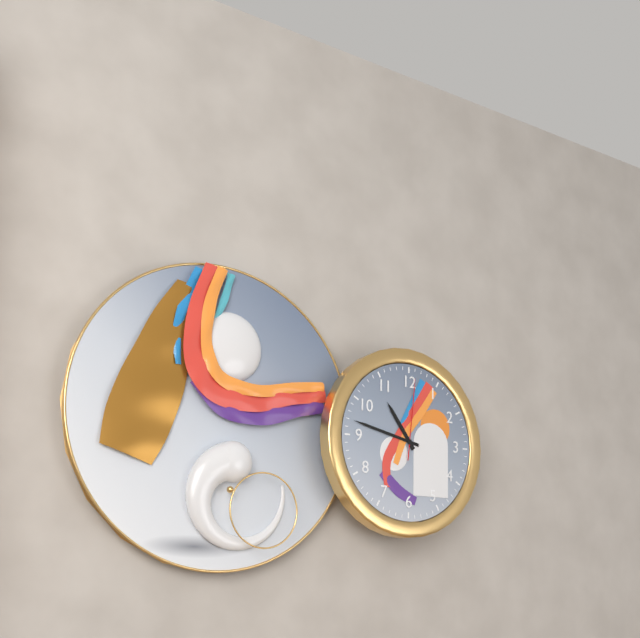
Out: 10h47m01s
